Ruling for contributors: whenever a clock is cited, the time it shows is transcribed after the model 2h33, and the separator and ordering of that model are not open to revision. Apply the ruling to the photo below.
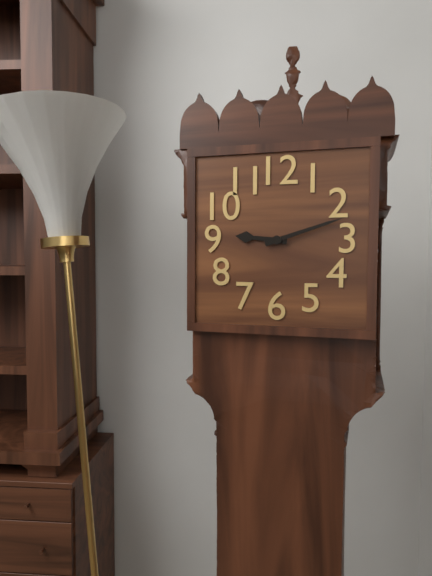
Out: 9h12
